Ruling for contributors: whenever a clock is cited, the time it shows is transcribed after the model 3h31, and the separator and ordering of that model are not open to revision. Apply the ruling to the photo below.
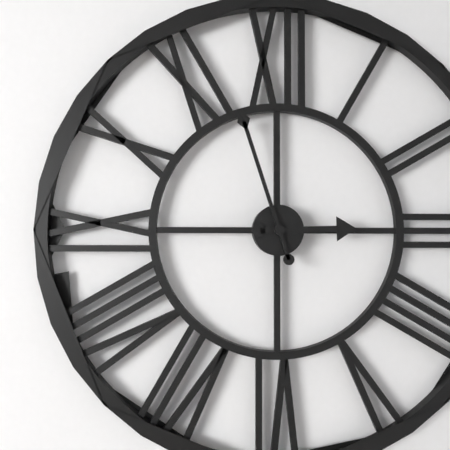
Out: 2h57
